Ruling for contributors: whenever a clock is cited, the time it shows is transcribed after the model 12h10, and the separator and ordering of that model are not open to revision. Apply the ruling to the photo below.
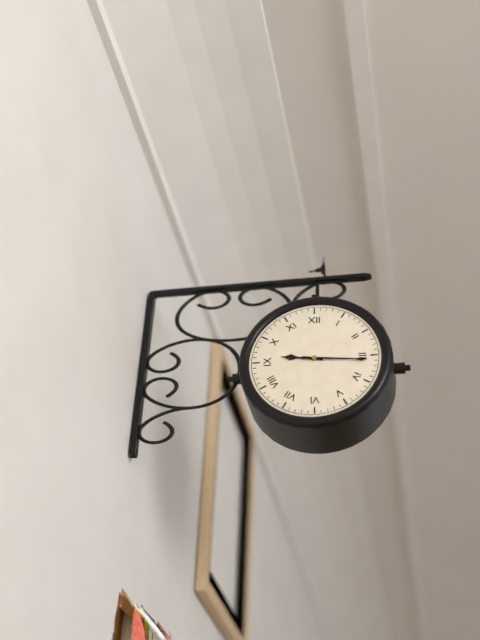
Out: 9h16
